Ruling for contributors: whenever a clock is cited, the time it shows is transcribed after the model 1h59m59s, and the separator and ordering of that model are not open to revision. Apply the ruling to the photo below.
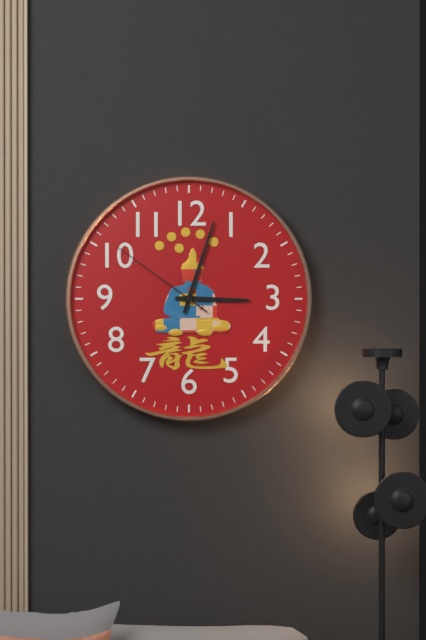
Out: 3h03m51s
